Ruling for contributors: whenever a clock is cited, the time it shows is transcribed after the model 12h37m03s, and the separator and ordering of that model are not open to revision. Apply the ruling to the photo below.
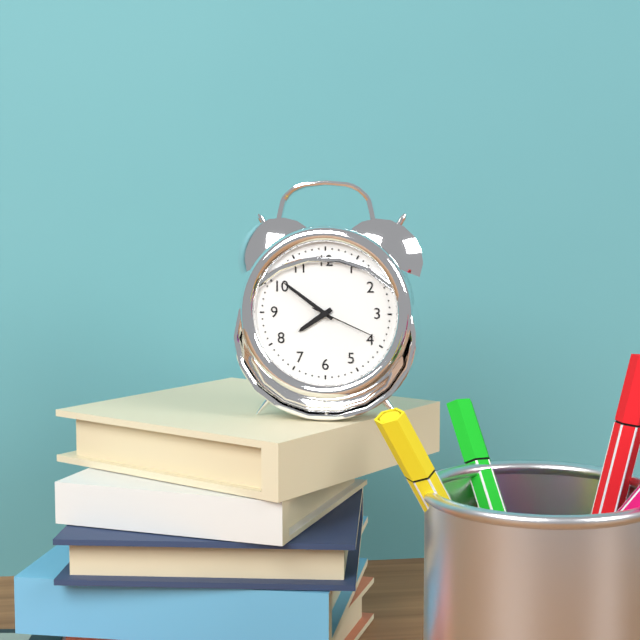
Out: 7h51m19s
